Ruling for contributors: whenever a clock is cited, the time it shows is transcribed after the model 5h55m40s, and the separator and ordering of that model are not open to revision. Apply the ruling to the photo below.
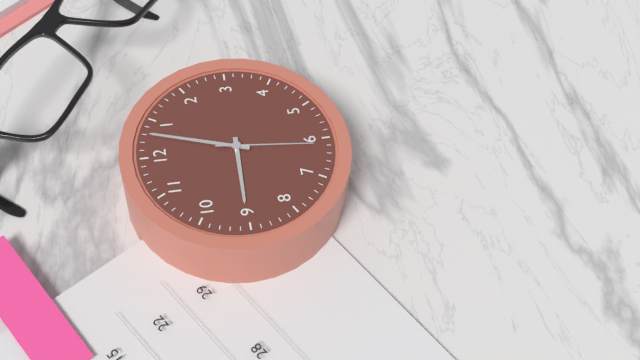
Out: 9h03m31s
